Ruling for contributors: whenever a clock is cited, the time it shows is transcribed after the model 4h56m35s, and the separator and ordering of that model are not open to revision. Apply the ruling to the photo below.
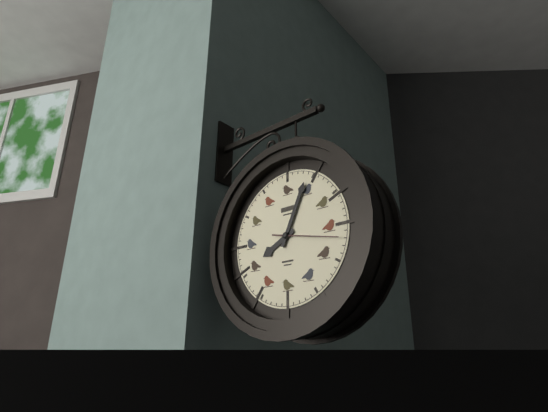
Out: 8h04m17s
